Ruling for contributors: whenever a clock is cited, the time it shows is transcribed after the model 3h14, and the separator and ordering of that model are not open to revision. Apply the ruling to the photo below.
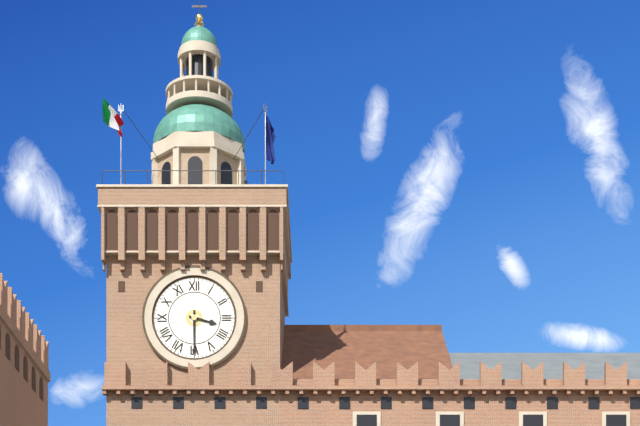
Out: 3h30
